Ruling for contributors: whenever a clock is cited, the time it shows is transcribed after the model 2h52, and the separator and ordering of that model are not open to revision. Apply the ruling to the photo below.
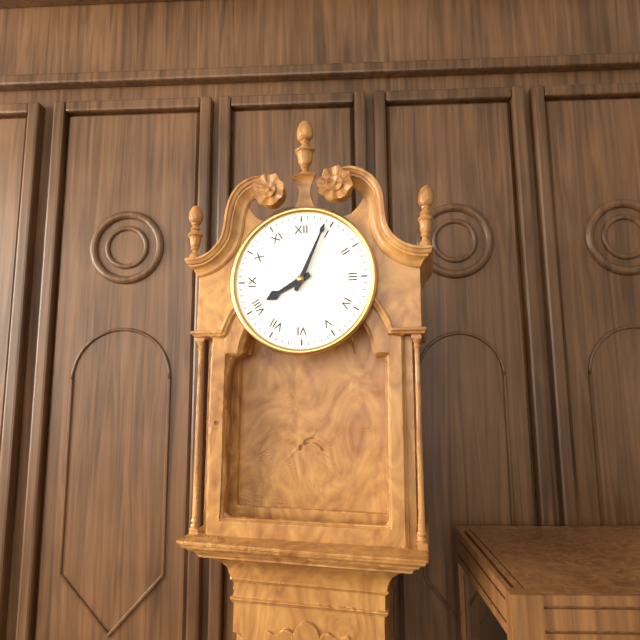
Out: 8h04
